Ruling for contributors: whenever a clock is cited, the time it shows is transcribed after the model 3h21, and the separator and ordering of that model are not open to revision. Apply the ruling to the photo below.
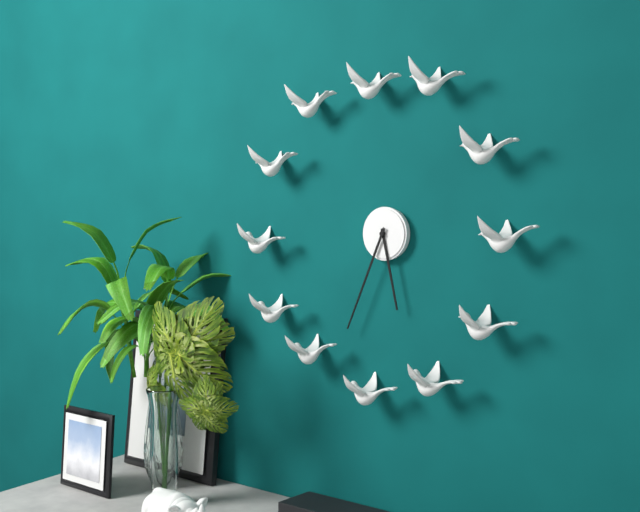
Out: 5h34
